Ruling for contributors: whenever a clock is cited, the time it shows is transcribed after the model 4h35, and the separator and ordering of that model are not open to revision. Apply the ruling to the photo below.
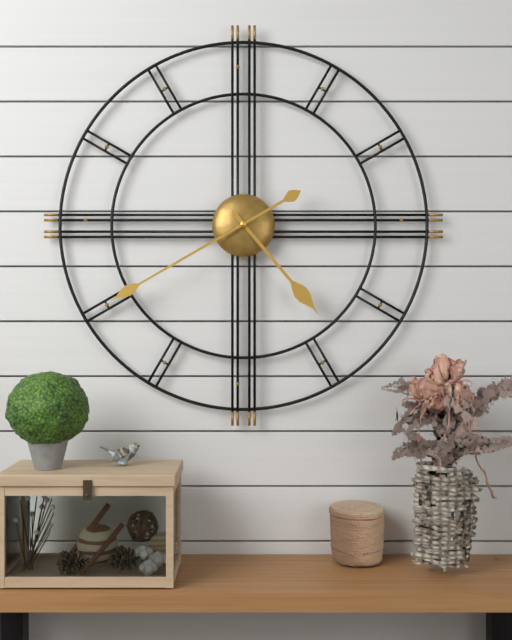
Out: 4h40
